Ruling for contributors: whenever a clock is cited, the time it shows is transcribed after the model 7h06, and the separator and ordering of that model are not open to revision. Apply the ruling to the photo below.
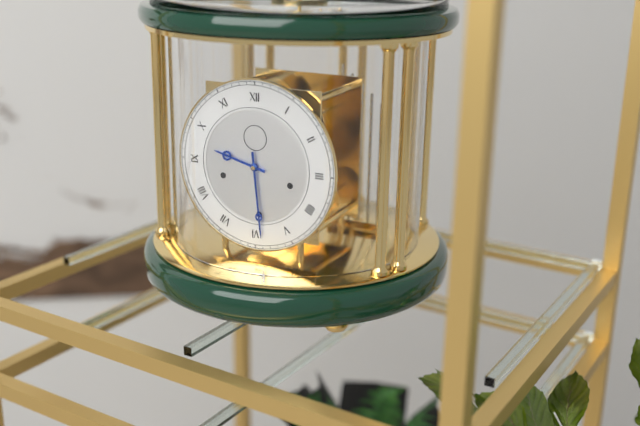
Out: 9h29
